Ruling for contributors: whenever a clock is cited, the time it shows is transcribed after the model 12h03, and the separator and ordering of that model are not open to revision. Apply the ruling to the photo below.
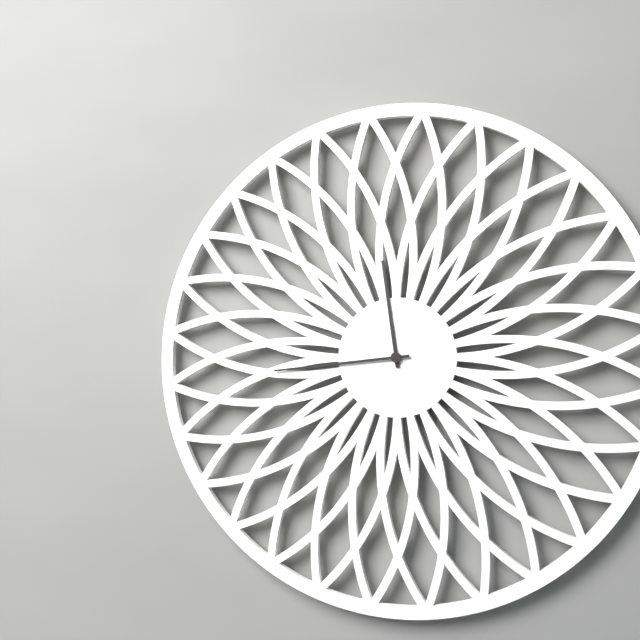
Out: 11h44
